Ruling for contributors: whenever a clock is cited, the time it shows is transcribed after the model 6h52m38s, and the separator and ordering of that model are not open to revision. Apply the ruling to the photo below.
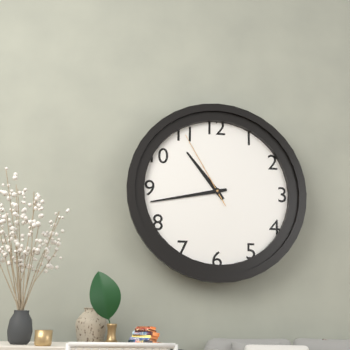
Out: 10h43m55s
